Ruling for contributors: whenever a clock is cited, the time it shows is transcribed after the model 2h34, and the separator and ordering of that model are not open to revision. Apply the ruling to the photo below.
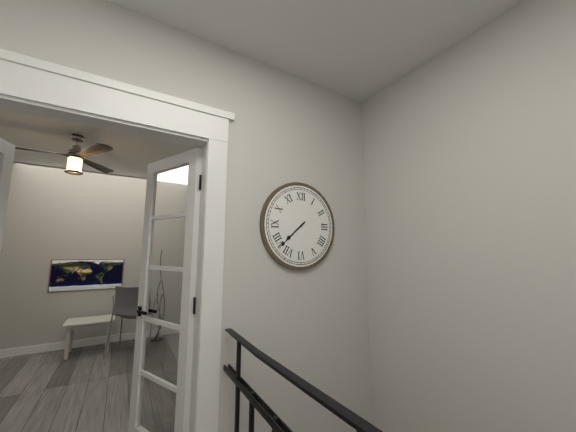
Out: 7h38
